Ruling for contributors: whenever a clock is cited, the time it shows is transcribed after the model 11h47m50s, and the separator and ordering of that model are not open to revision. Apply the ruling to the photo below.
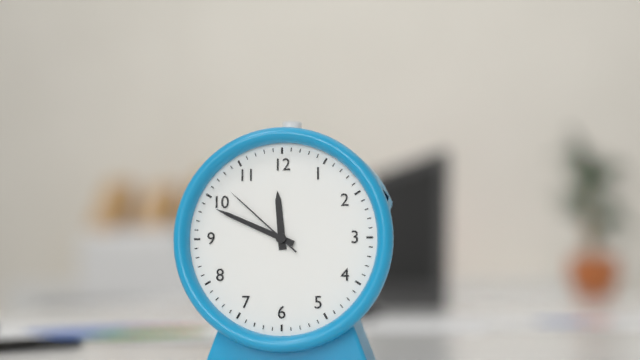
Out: 11h49m52s
